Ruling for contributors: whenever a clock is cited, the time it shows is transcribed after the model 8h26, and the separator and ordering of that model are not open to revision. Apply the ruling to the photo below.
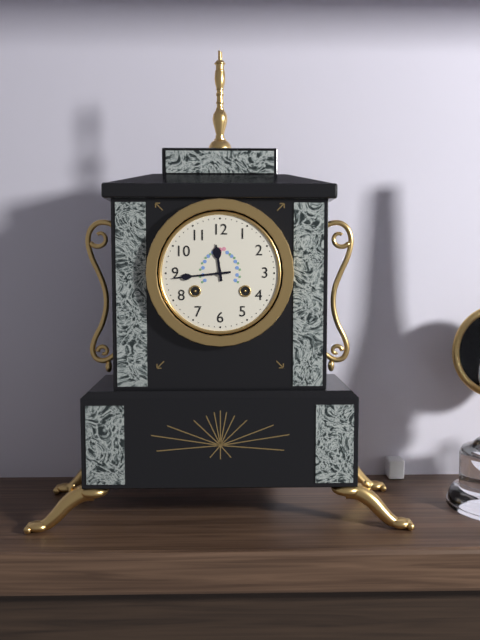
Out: 11h44
